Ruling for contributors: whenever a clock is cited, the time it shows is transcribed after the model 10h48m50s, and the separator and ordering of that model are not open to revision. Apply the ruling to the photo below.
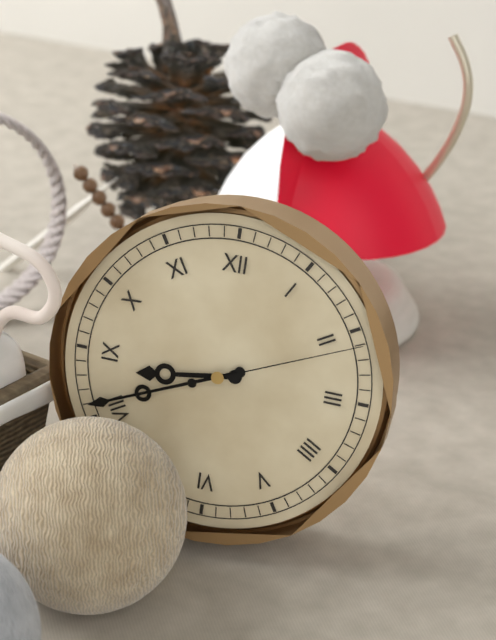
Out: 8h41m11s
